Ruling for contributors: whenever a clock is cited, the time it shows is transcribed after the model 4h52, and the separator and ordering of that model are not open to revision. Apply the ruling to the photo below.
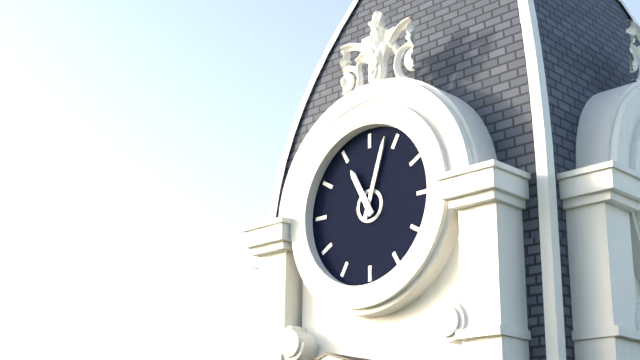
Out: 11h03
